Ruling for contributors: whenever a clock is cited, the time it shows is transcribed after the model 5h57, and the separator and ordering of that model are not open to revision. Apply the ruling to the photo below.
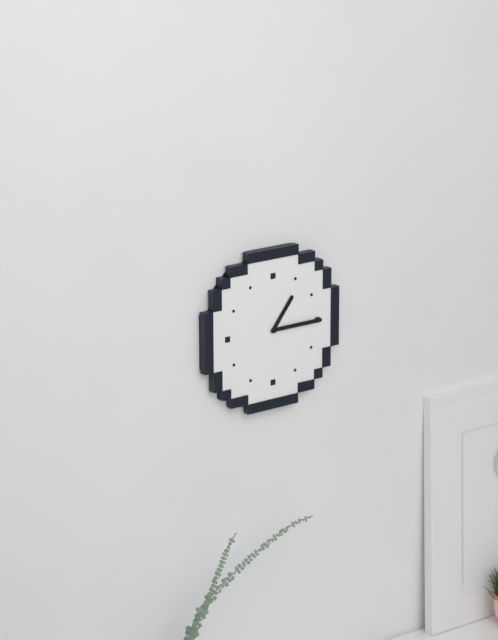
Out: 1h15
